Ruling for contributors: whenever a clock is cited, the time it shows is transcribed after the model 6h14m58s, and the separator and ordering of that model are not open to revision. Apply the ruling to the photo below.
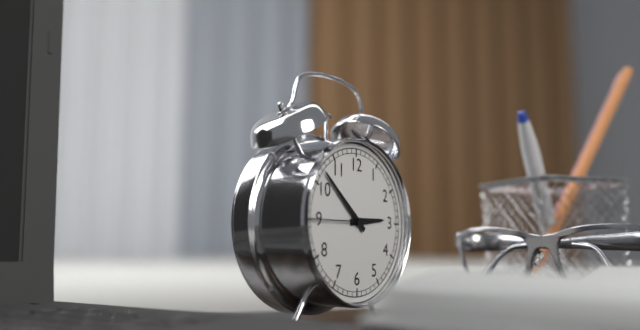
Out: 2h52m45s
